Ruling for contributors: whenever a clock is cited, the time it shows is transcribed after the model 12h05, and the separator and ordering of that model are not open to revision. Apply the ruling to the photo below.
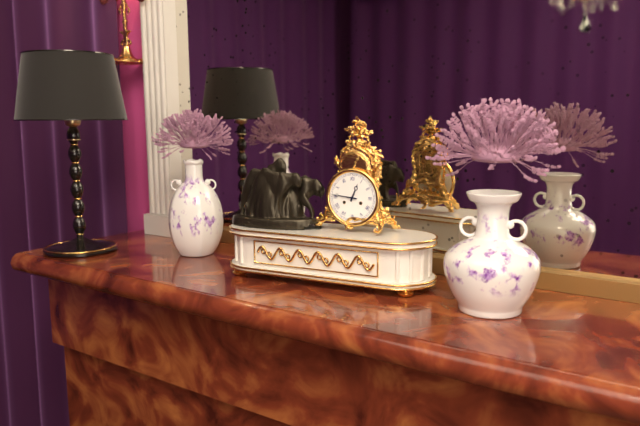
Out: 12h46
